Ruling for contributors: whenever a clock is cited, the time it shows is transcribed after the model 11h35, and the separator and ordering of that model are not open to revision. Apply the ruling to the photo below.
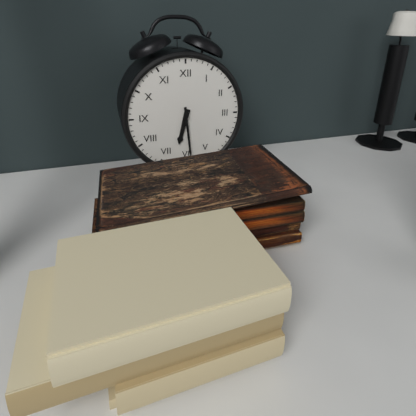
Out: 6h29
